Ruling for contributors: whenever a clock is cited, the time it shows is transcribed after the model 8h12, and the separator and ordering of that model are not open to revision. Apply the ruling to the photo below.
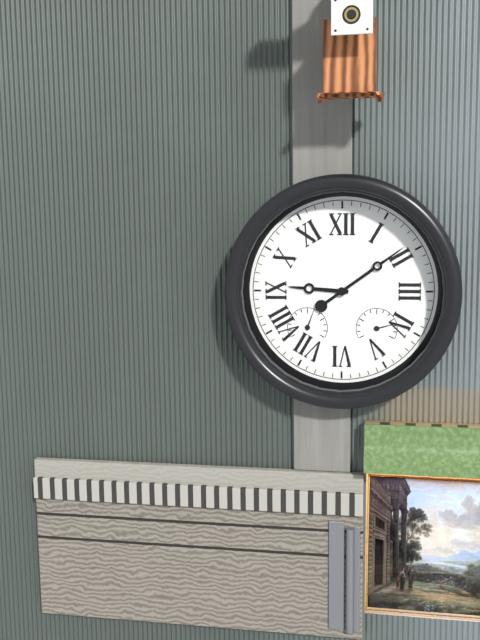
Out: 9h09
